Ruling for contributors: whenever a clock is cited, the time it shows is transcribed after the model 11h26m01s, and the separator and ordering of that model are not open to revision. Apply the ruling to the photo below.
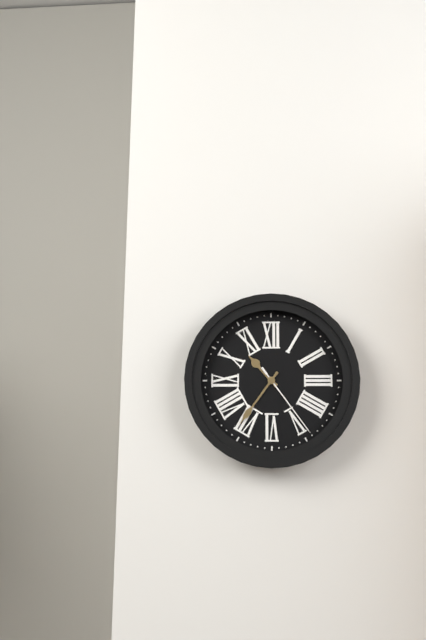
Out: 10h36m24s
